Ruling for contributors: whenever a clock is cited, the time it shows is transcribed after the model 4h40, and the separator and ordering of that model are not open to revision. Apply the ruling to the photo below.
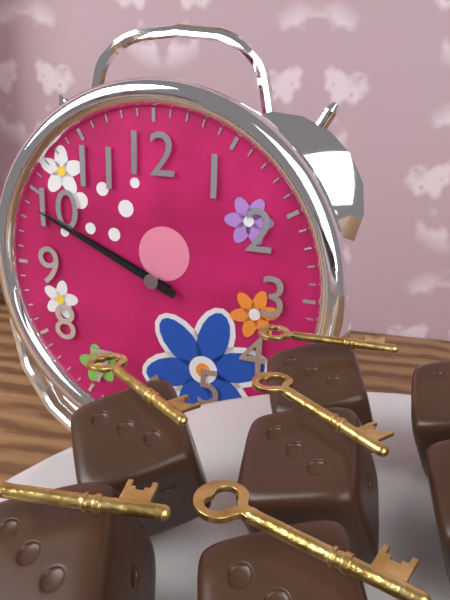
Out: 9h49
